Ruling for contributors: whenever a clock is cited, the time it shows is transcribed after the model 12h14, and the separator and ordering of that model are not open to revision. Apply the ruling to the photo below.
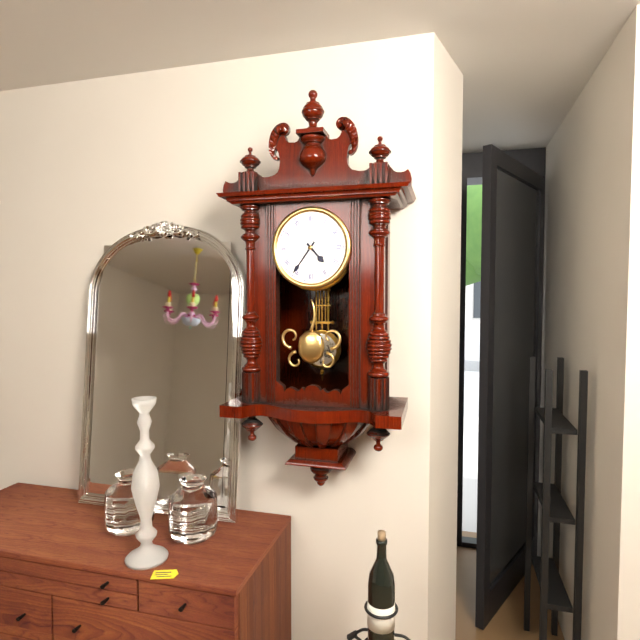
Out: 4h36
